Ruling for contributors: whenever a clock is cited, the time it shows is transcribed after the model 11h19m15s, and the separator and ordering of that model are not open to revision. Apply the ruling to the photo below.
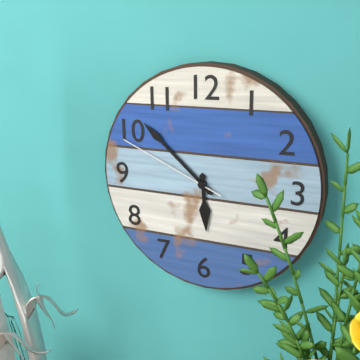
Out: 5h52m49s
